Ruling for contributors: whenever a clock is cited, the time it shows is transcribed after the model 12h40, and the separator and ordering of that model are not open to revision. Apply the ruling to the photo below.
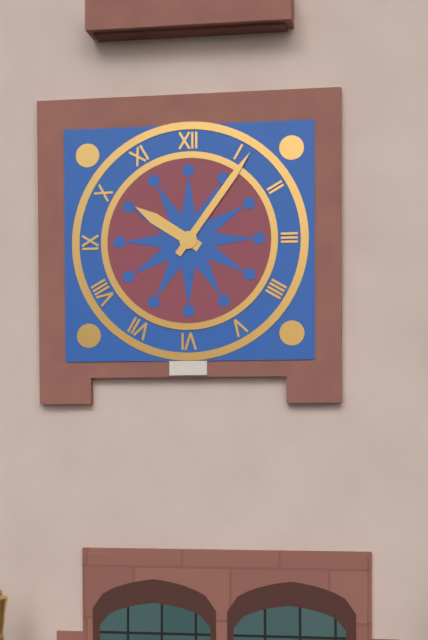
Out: 10h06
